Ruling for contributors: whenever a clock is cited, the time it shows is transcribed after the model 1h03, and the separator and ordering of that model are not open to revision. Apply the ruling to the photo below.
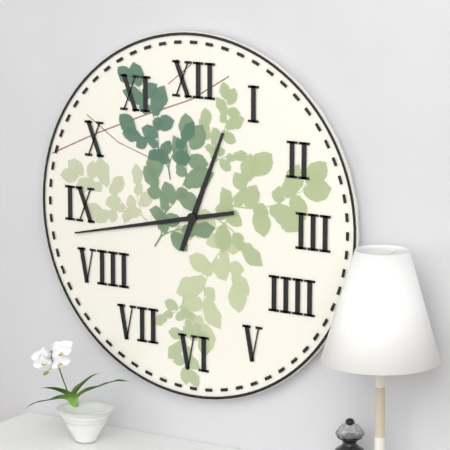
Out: 12h43
